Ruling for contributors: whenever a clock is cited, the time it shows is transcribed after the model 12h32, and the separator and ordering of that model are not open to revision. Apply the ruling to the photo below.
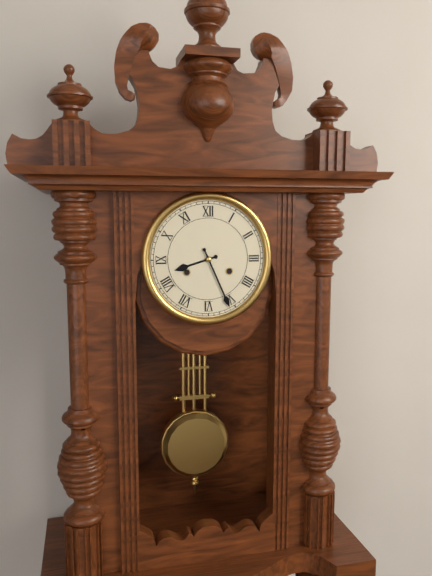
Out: 8h26
